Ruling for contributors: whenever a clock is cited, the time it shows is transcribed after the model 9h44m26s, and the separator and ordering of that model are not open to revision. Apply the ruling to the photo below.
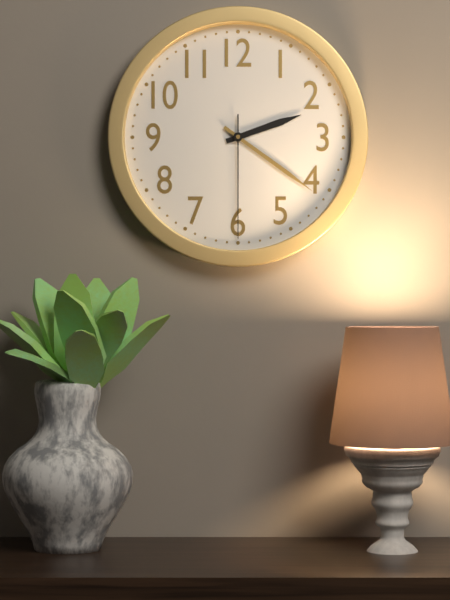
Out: 2h21m30s
